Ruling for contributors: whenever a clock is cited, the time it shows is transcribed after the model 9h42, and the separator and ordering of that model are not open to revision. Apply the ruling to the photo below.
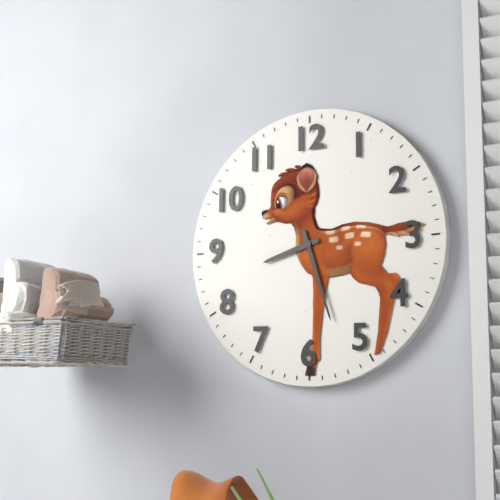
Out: 8h27
